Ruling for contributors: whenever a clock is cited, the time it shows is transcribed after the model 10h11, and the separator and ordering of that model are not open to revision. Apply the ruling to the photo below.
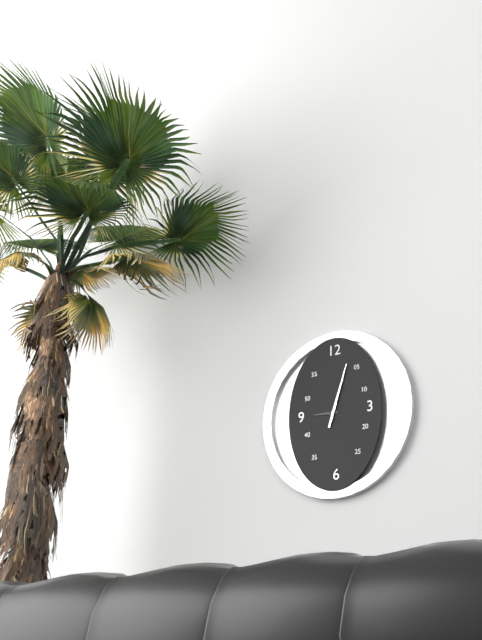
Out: 9h03
